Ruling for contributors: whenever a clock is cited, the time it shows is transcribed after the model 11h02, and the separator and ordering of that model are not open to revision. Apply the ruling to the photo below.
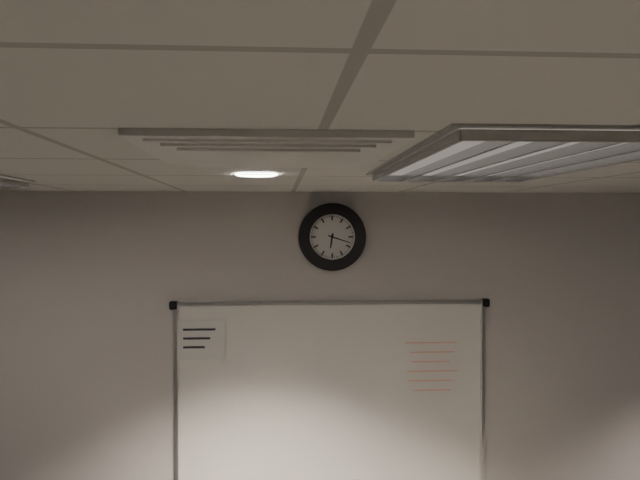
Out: 6h18
